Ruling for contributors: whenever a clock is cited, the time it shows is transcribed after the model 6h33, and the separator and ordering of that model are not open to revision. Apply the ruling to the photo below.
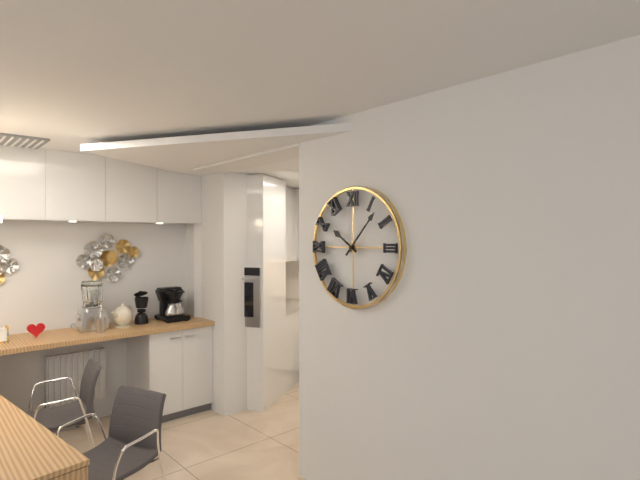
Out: 10h07
